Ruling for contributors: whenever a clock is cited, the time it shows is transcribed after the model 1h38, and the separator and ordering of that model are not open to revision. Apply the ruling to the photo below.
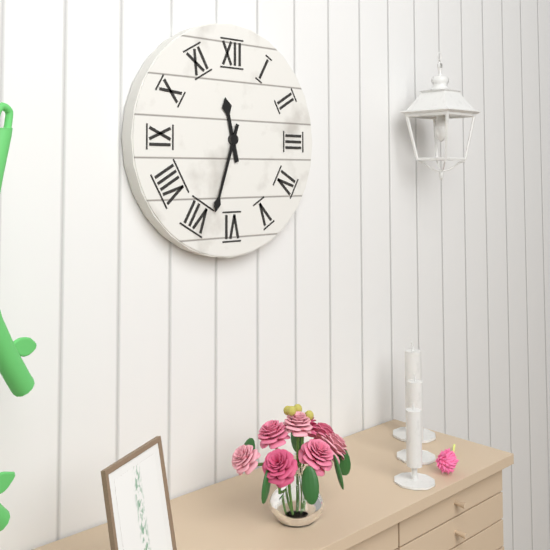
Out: 11h33
